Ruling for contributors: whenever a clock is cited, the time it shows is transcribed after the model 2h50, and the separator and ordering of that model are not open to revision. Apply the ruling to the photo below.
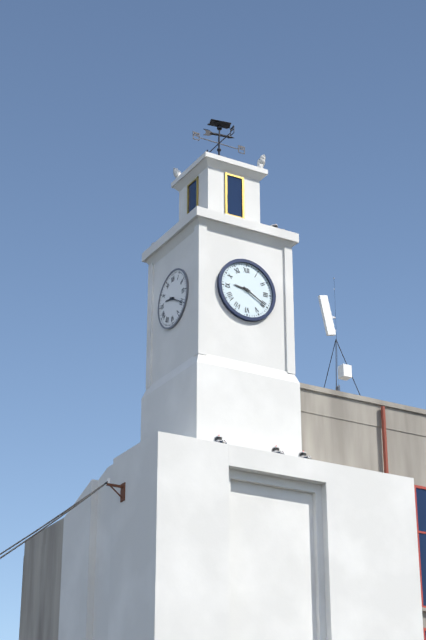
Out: 9h20
